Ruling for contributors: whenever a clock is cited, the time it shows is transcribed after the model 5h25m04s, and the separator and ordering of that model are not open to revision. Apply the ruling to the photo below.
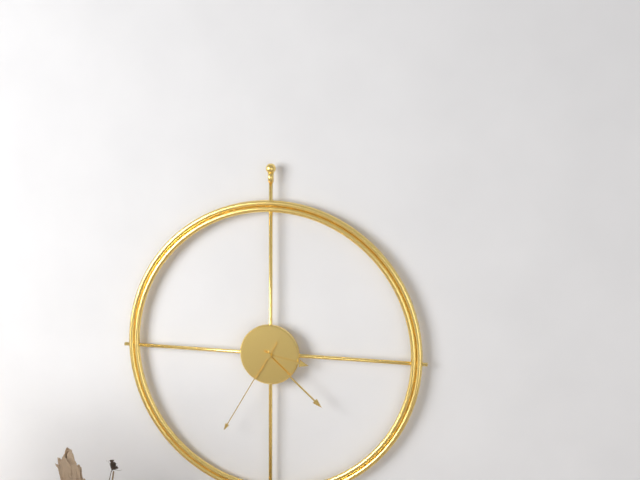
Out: 3h22m35s
